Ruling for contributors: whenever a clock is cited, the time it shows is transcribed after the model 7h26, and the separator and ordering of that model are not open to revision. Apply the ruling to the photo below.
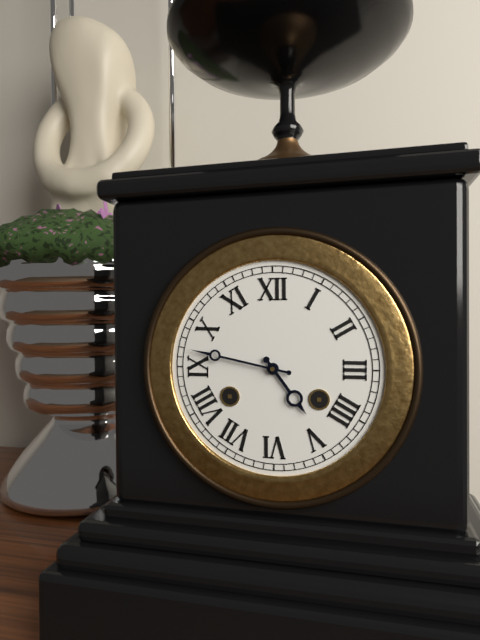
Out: 4h47
